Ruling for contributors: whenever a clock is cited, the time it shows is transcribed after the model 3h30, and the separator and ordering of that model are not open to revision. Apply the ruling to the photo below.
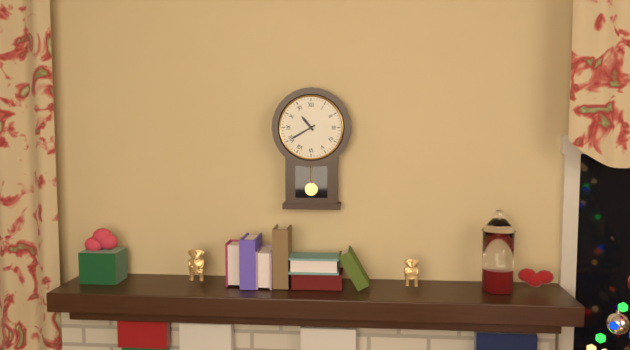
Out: 10h40
